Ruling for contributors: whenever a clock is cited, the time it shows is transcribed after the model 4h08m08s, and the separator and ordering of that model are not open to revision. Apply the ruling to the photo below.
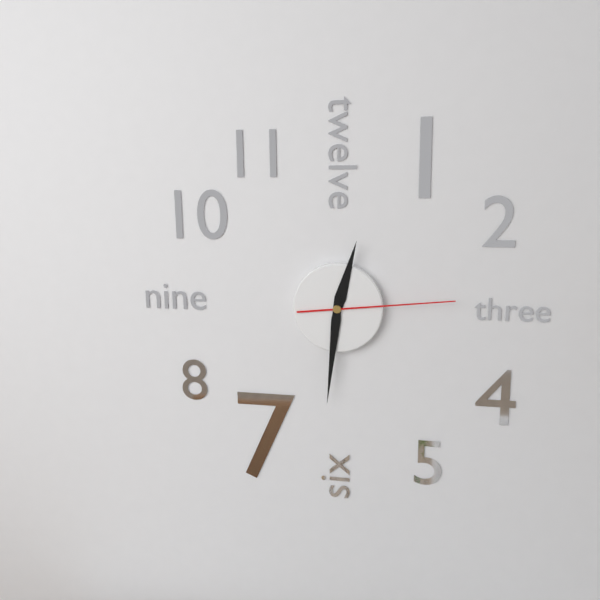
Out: 12h31m14s
